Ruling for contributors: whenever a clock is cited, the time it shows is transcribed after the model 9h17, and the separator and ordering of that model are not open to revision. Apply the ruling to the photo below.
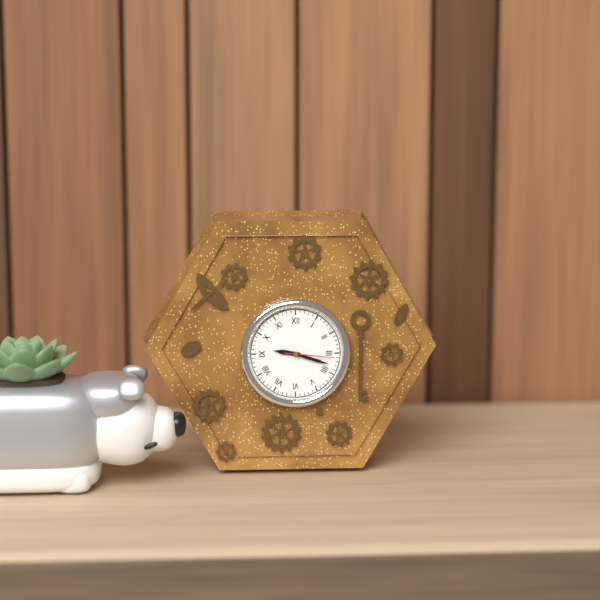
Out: 9h18
